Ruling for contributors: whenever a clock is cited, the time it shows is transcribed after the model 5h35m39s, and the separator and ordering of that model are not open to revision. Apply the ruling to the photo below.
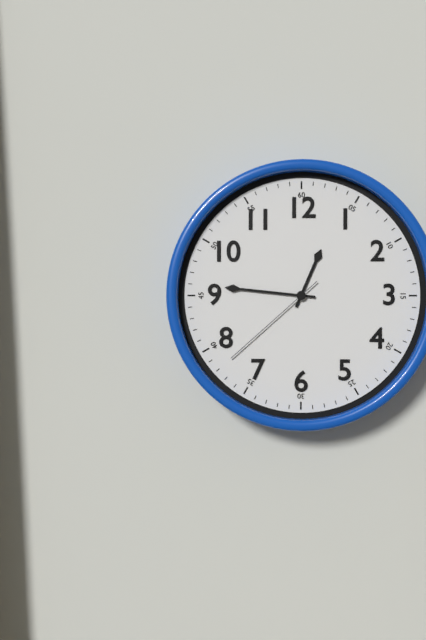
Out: 12h46m38s
